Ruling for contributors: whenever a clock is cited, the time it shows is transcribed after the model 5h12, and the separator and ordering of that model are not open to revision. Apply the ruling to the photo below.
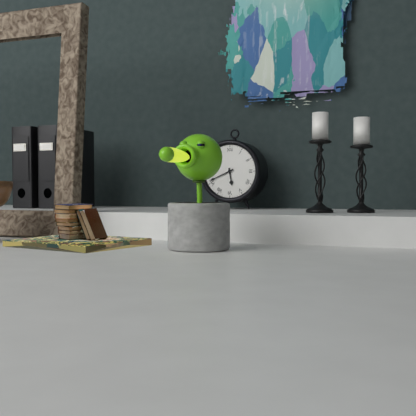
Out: 5h41
